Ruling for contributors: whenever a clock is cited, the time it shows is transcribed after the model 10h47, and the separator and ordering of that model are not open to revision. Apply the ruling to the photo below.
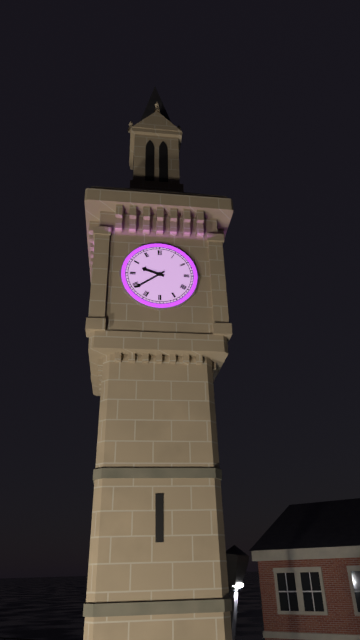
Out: 9h39
